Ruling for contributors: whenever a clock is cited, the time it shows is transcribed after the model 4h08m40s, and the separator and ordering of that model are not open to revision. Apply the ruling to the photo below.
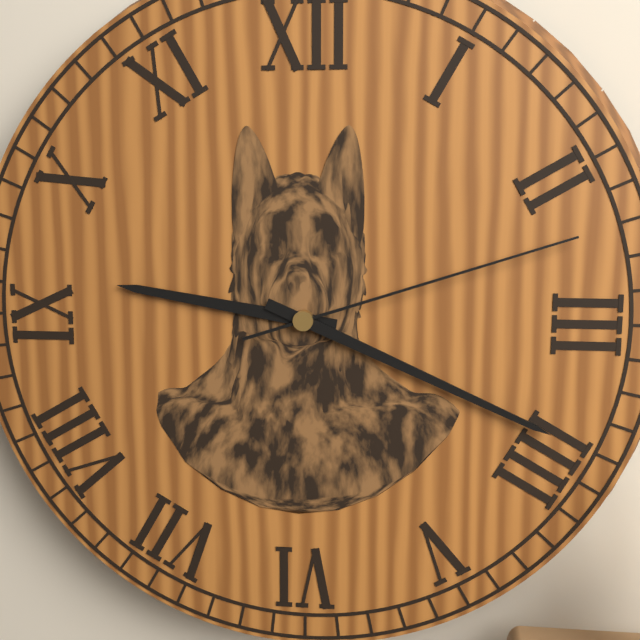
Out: 9h19m12s
